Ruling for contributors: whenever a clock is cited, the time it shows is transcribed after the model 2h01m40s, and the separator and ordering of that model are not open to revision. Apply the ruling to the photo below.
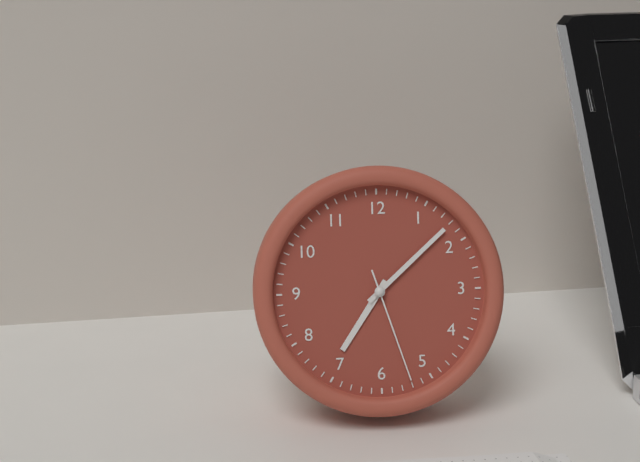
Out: 7h08m27s
